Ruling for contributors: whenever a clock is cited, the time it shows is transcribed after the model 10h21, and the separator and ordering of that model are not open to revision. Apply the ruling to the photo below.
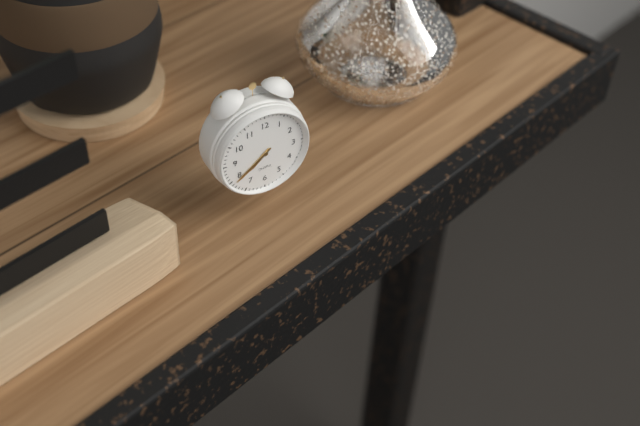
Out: 7h39
